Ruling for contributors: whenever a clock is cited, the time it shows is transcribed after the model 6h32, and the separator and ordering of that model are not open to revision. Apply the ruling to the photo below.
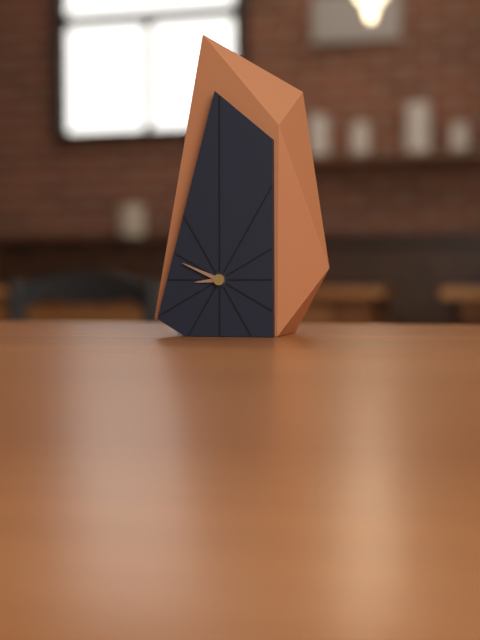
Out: 8h49
